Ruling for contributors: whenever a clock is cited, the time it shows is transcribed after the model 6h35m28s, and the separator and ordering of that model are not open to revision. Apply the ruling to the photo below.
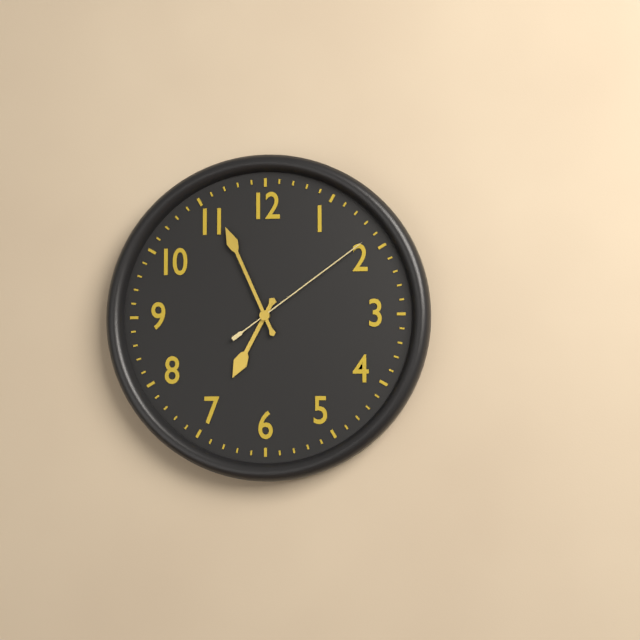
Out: 6h56m09s
